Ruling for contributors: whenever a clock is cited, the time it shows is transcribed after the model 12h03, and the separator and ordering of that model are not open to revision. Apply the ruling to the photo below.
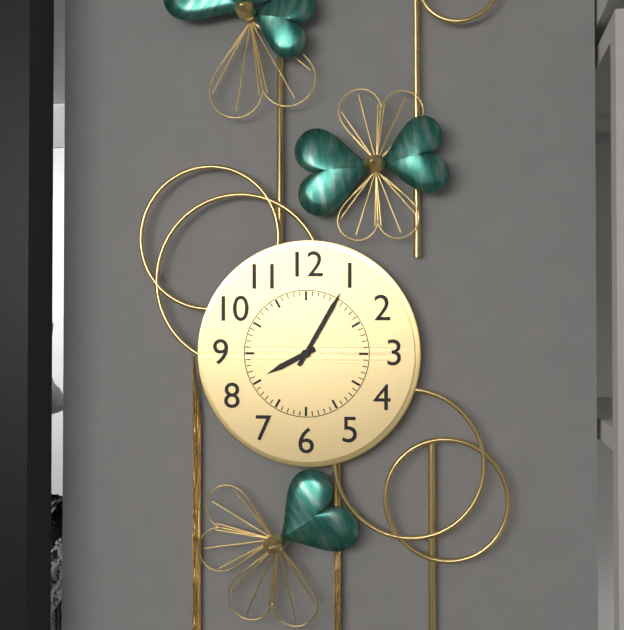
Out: 8h05
